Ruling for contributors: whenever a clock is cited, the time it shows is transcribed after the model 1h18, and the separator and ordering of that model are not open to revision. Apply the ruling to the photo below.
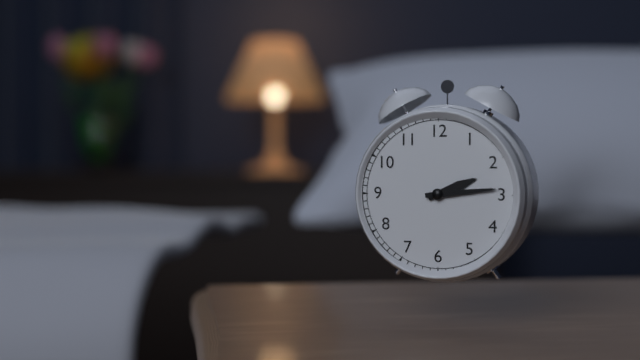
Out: 2h14
